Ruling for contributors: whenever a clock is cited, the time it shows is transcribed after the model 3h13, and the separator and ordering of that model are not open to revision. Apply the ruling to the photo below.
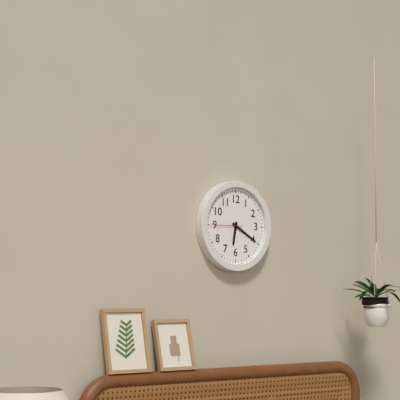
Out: 6h20
